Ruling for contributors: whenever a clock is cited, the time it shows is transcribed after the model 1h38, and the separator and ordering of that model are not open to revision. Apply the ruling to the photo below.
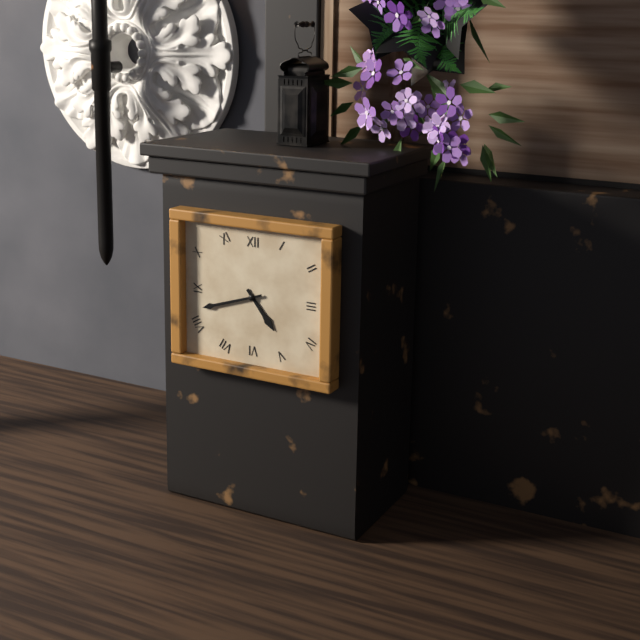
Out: 4h42
